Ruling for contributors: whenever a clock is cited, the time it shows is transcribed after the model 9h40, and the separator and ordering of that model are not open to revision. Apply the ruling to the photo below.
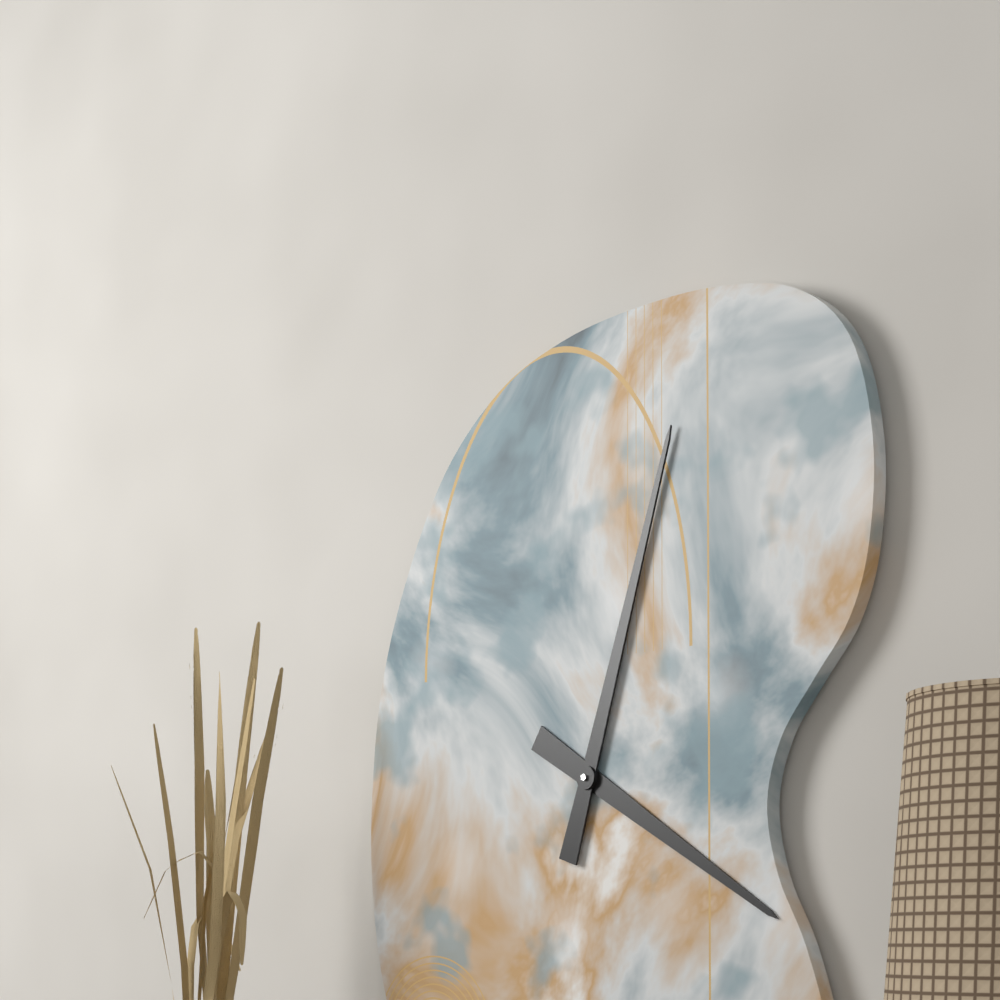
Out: 4h03
